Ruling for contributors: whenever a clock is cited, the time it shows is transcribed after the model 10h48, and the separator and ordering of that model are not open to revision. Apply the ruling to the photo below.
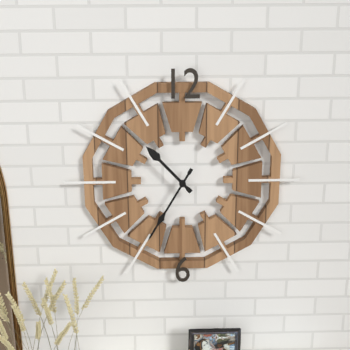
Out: 10h35
